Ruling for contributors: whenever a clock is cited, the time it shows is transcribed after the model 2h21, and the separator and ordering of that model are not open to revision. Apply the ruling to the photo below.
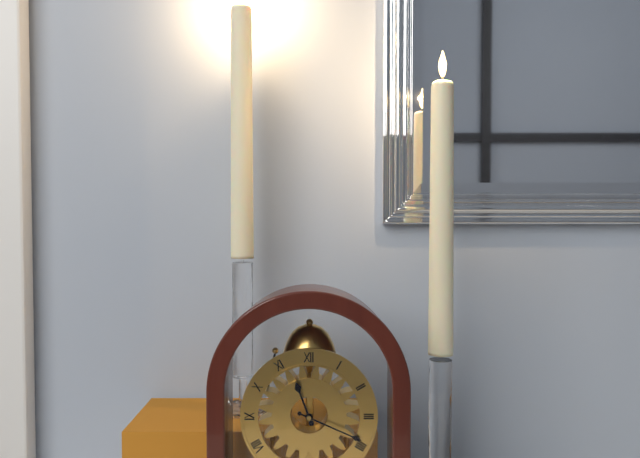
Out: 11h19
